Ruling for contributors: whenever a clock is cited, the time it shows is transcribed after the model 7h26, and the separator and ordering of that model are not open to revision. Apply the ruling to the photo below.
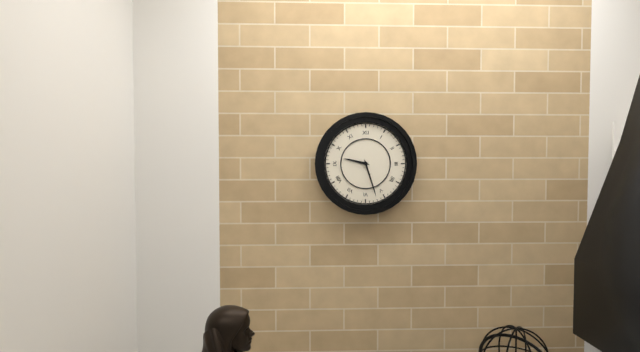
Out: 9h27
